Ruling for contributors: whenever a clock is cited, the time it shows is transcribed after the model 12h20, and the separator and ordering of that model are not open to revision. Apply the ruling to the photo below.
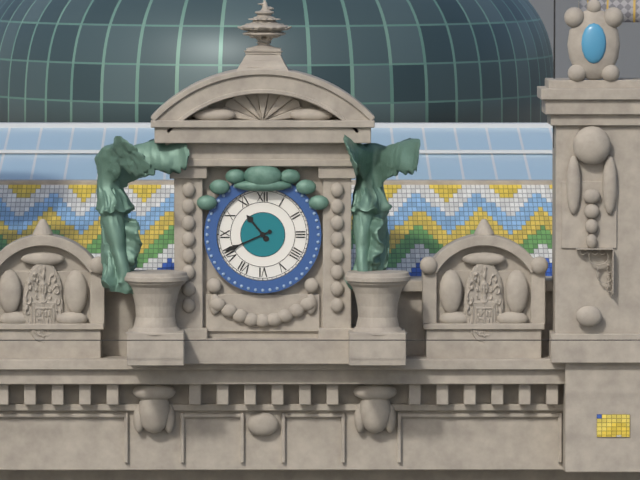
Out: 10h41
